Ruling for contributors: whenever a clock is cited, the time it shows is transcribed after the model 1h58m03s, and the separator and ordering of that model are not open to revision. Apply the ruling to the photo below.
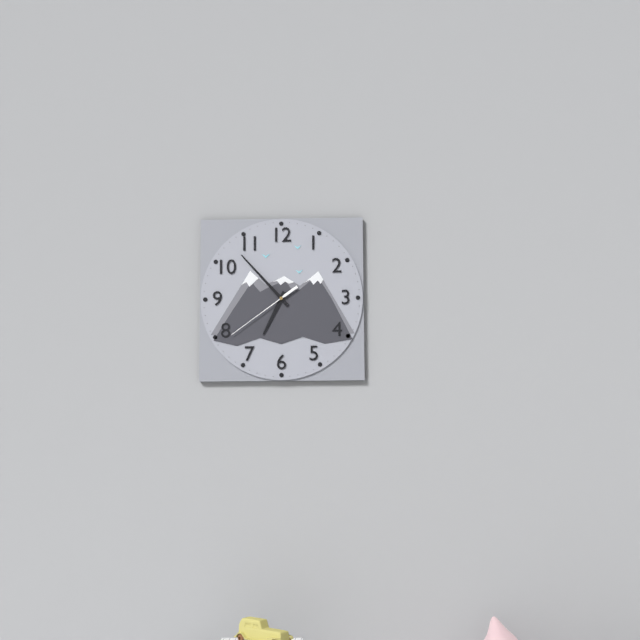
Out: 6h53m39s
